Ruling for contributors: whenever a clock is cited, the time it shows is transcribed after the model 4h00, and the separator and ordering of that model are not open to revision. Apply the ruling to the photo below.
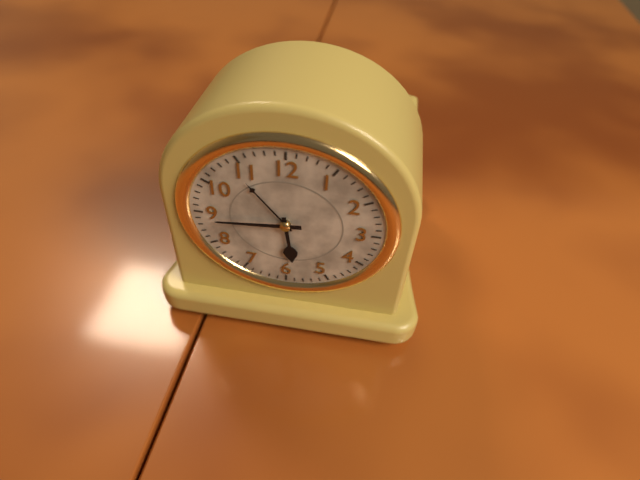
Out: 5h44
